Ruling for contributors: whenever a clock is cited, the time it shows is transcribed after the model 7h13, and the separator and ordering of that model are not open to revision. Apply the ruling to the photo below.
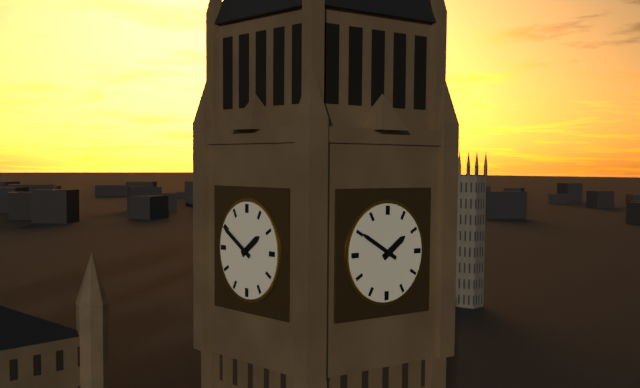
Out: 1h50
